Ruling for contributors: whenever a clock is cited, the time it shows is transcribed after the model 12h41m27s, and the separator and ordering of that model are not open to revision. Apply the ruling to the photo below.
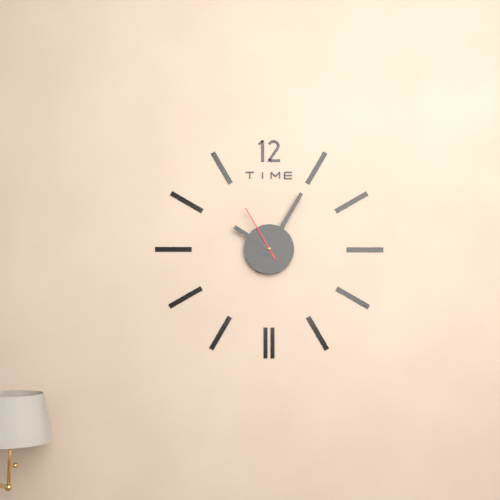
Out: 10h05m55s
